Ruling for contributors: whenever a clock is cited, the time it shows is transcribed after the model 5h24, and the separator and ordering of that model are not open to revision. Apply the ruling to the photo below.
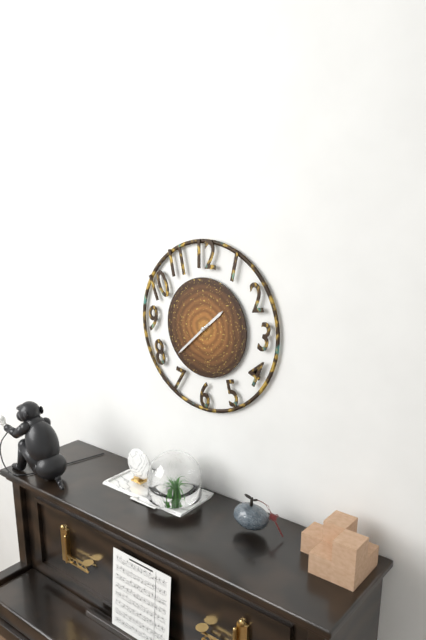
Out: 1h38
